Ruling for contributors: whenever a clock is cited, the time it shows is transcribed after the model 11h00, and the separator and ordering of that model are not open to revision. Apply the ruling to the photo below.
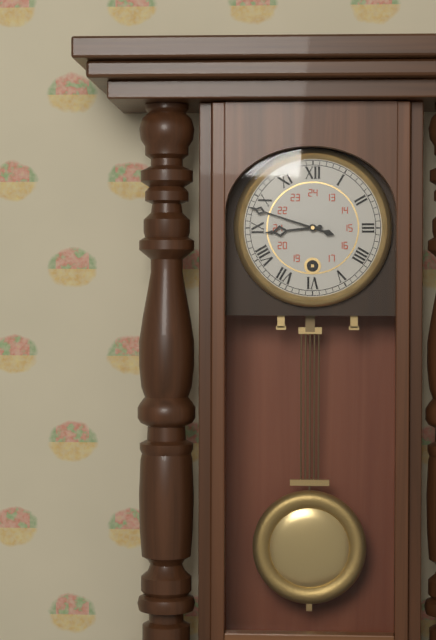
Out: 8h48
